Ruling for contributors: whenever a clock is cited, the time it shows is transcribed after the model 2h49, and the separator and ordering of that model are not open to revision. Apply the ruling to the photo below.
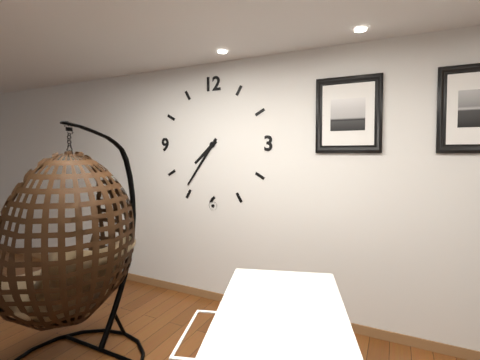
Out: 7h36
